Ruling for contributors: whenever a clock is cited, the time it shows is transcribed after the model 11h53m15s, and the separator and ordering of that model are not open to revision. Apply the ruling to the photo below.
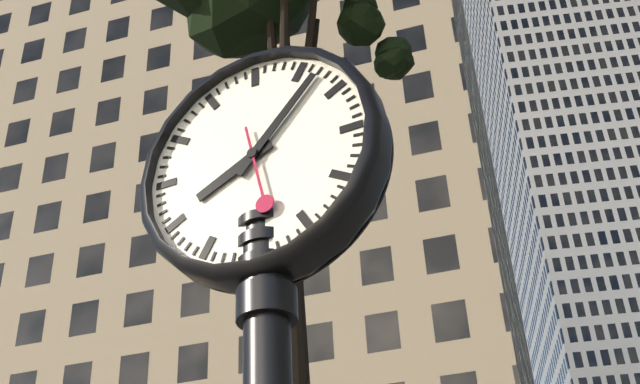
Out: 8h07m28s
